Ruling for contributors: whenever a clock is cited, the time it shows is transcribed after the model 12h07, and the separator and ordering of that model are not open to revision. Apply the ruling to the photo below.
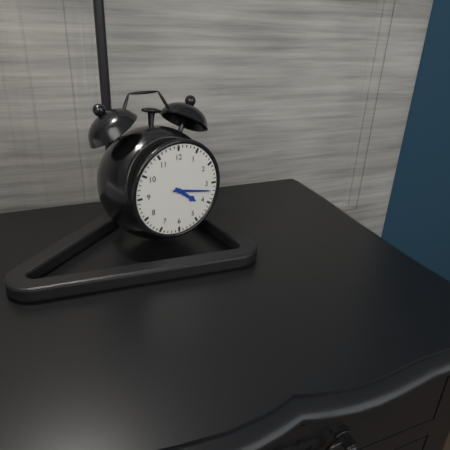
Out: 4h17
